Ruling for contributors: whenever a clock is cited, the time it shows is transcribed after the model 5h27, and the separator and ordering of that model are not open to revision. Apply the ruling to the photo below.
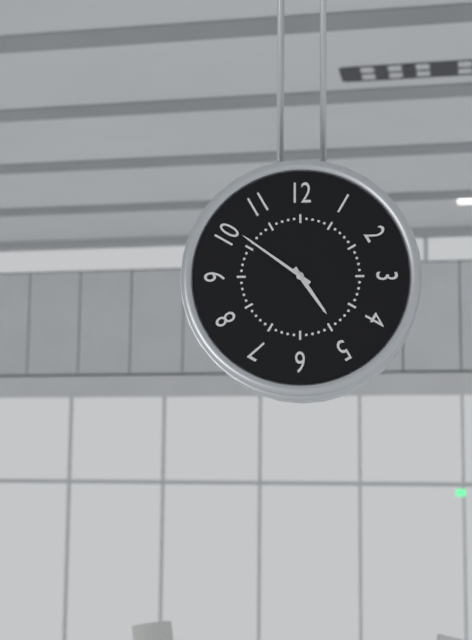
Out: 4h51
